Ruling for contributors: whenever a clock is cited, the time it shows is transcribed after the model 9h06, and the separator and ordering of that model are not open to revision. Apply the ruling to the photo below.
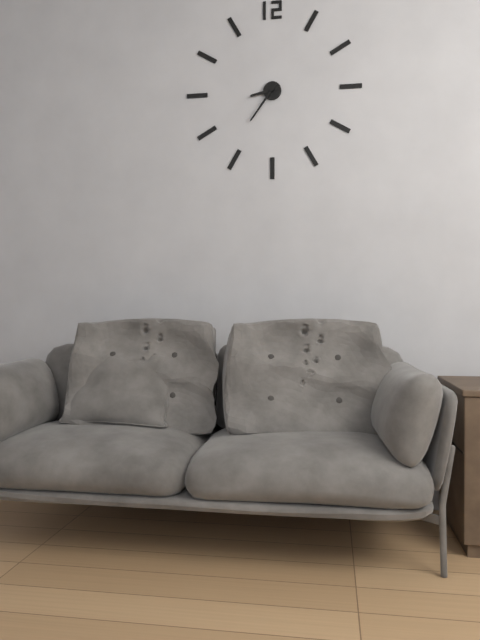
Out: 8h36
